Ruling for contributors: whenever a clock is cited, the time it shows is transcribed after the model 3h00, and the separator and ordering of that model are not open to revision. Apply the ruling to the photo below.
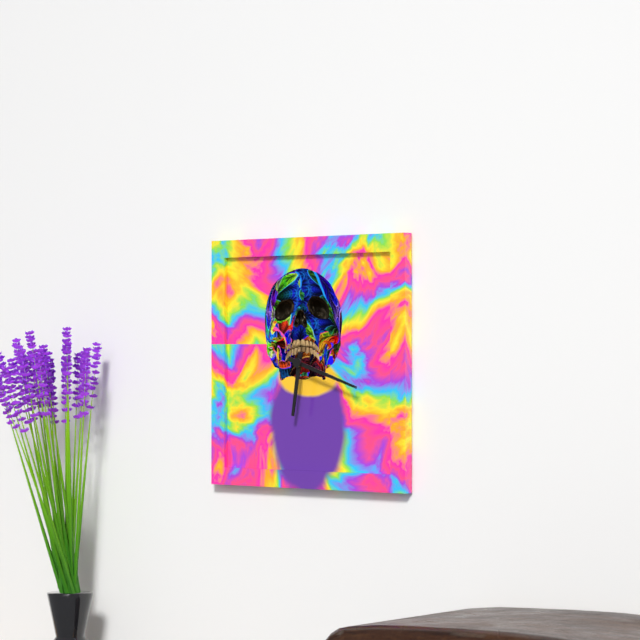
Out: 6h18
